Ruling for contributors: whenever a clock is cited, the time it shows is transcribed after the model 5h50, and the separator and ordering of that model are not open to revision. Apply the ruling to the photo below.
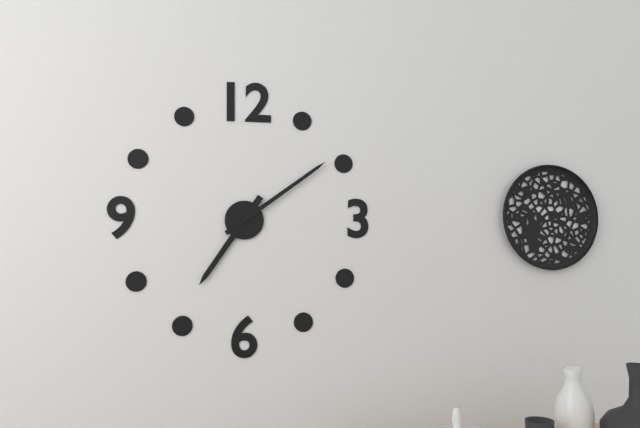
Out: 7h09
